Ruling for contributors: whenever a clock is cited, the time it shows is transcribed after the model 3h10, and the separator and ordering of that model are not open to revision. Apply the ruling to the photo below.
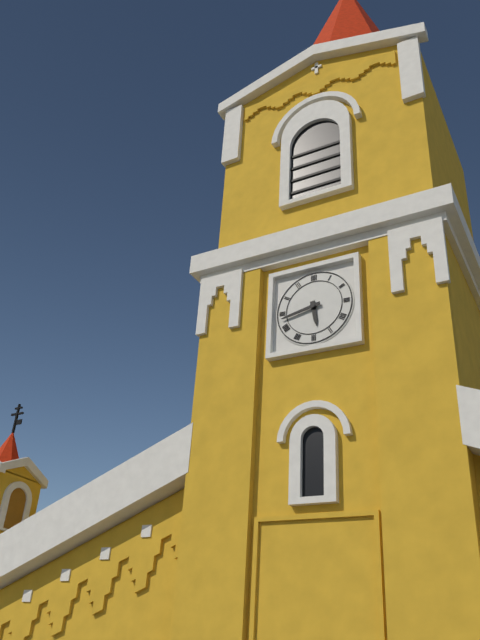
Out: 5h43
